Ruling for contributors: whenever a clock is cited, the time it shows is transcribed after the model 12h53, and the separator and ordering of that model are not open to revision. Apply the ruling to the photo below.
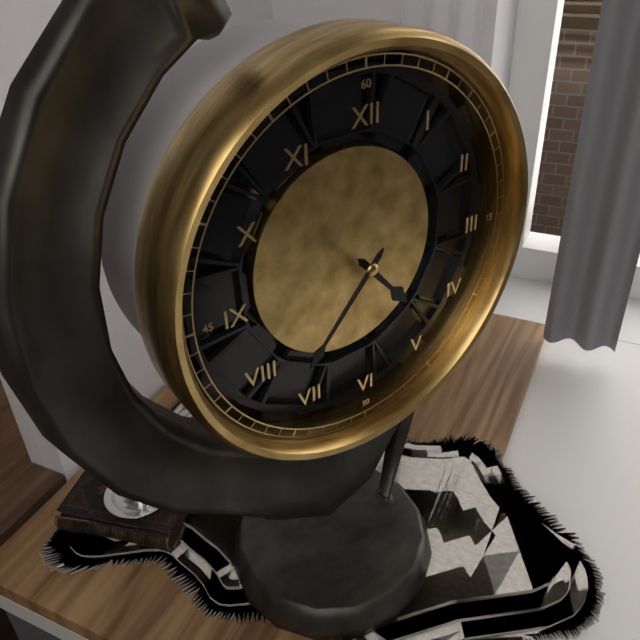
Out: 4h37
